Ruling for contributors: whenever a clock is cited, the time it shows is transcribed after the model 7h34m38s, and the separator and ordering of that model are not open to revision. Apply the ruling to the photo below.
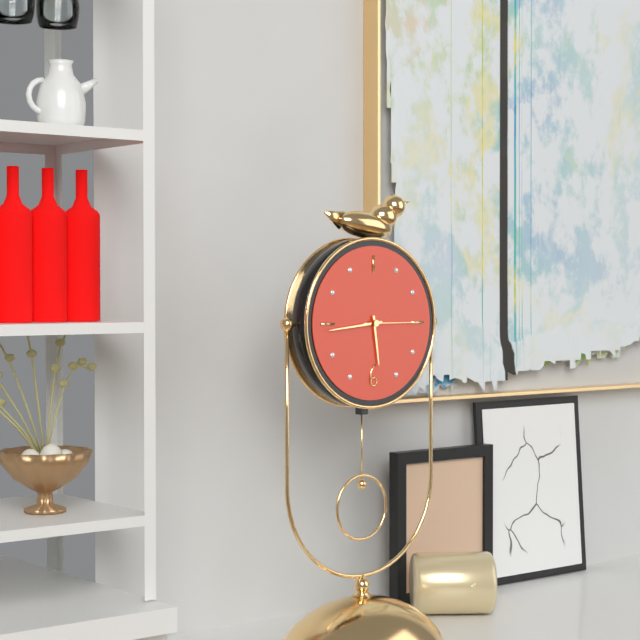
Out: 5h44m15s
